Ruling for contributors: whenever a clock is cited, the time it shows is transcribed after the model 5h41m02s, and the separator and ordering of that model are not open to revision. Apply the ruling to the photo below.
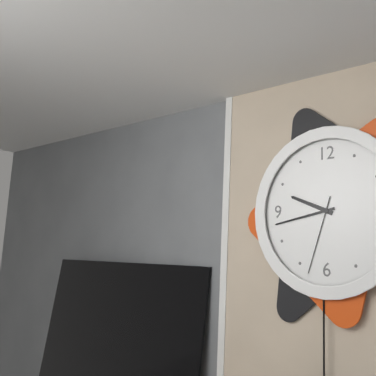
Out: 9h43m33s
